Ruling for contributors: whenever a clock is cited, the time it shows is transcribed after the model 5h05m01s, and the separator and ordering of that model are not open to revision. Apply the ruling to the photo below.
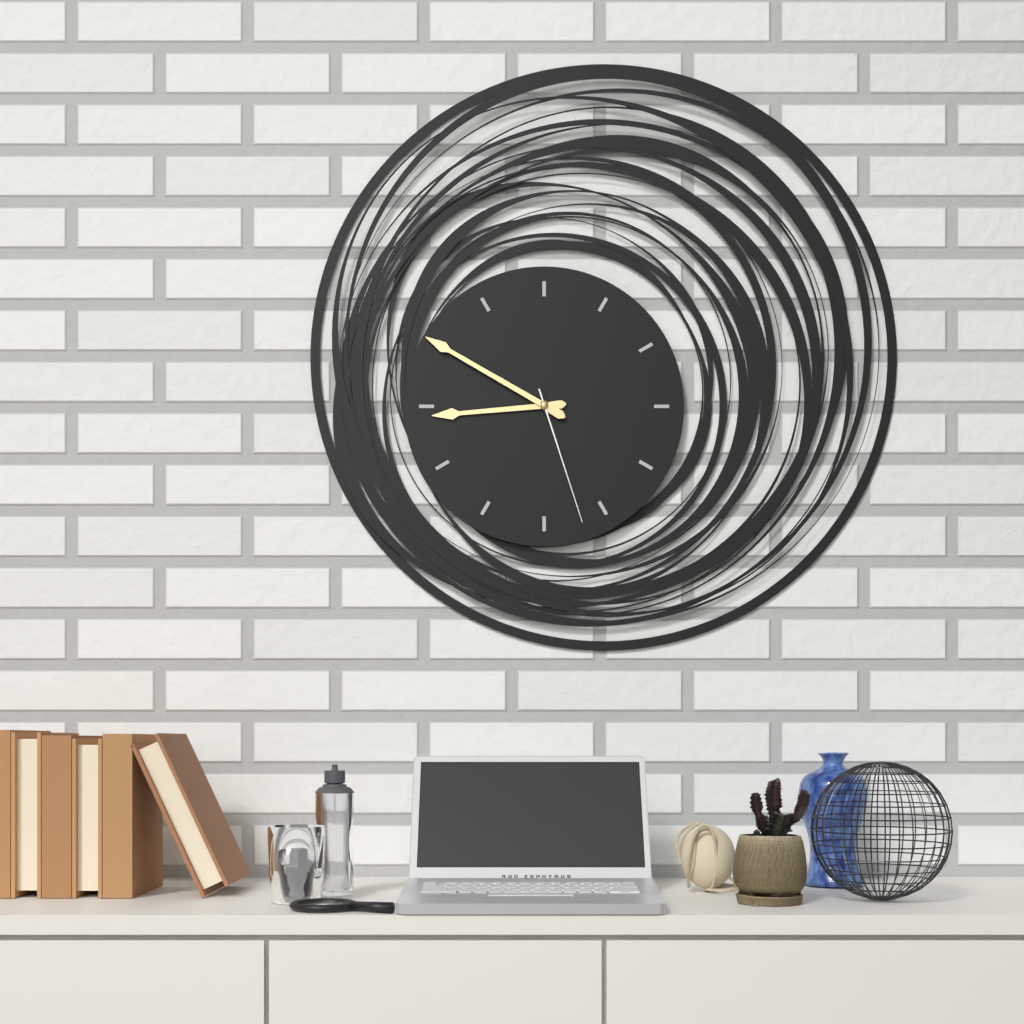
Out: 8h50m27s
